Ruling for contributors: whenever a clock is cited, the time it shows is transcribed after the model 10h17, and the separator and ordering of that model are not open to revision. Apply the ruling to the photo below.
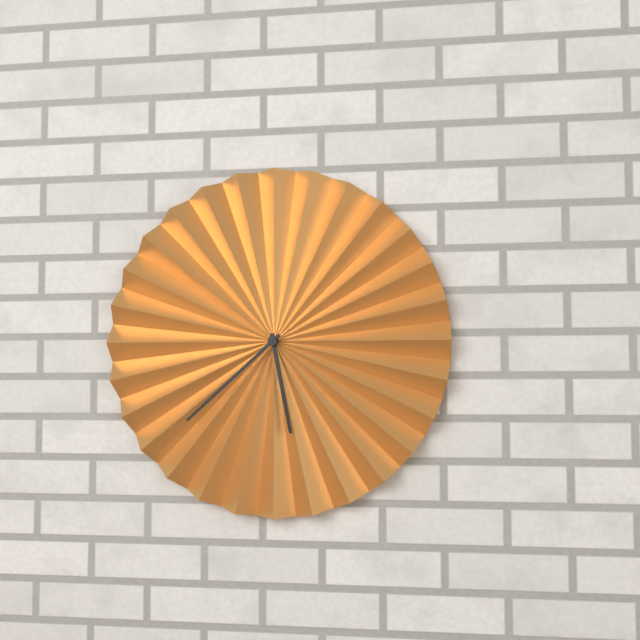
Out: 5h38
